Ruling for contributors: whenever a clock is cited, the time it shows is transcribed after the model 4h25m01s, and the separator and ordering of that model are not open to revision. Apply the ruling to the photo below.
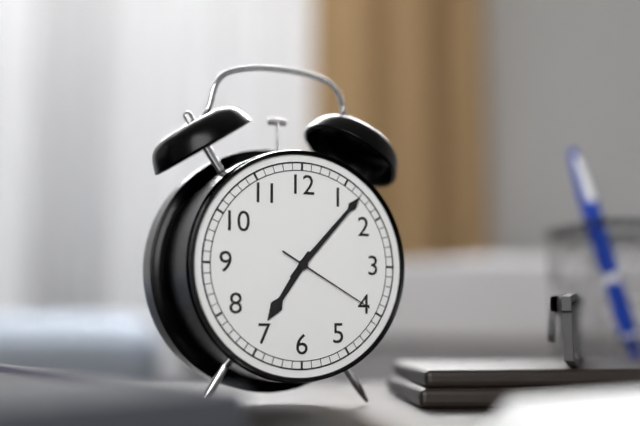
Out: 7h07m20s
